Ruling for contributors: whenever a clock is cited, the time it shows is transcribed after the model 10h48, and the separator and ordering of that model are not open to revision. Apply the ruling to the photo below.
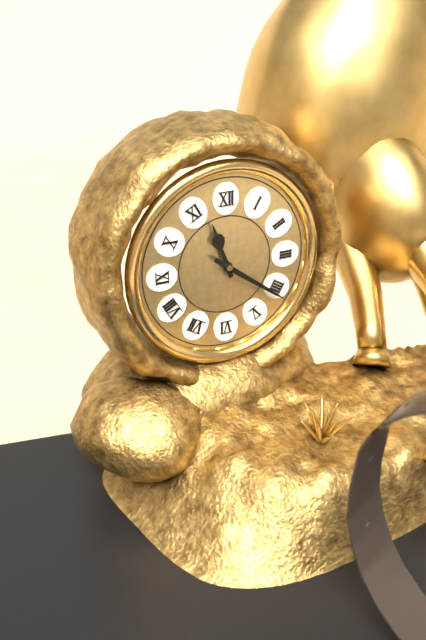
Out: 11h21
